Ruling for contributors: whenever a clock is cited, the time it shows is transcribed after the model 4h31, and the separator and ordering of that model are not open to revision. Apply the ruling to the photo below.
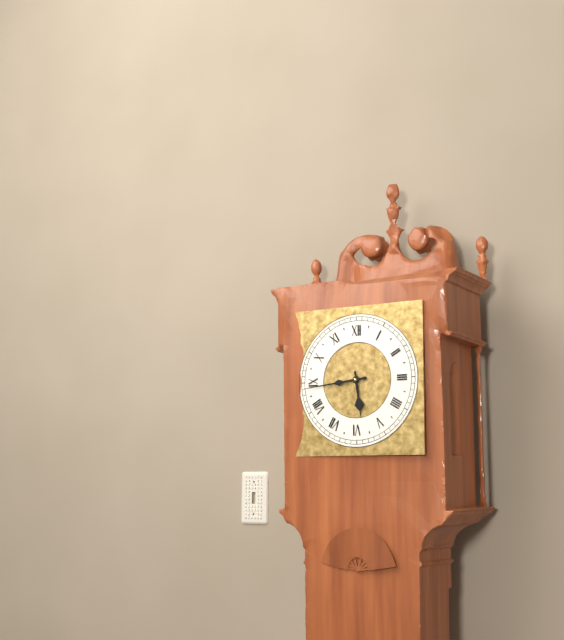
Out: 5h44
